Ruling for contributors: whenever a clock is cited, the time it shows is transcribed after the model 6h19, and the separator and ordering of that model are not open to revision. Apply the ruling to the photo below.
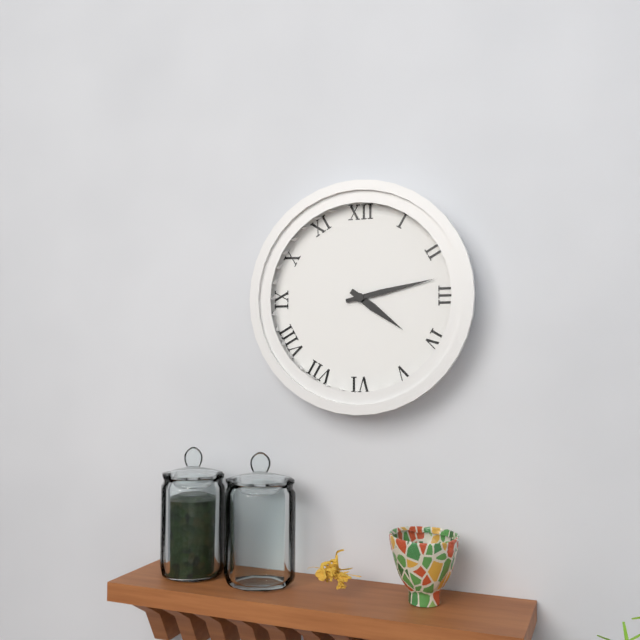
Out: 4h13
